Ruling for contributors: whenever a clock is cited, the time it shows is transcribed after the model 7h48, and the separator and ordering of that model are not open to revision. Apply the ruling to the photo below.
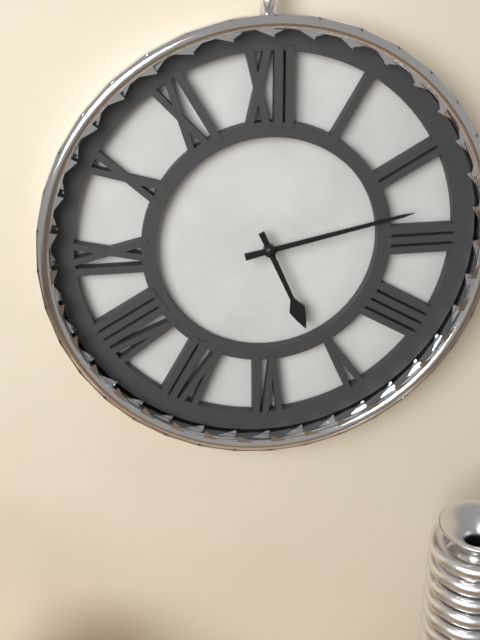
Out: 5h13
